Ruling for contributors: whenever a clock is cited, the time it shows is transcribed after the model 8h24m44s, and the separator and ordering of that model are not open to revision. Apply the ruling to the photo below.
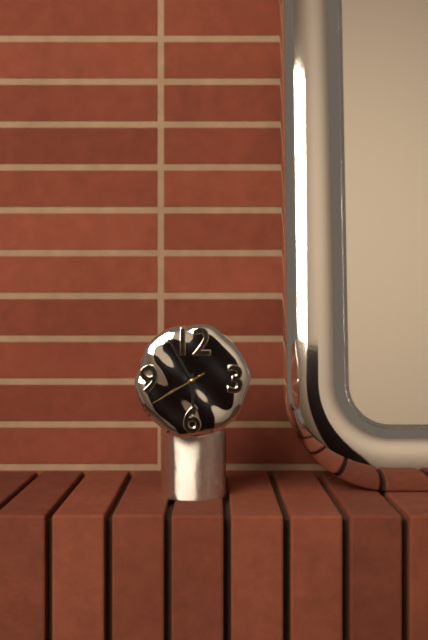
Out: 5h55m40s
